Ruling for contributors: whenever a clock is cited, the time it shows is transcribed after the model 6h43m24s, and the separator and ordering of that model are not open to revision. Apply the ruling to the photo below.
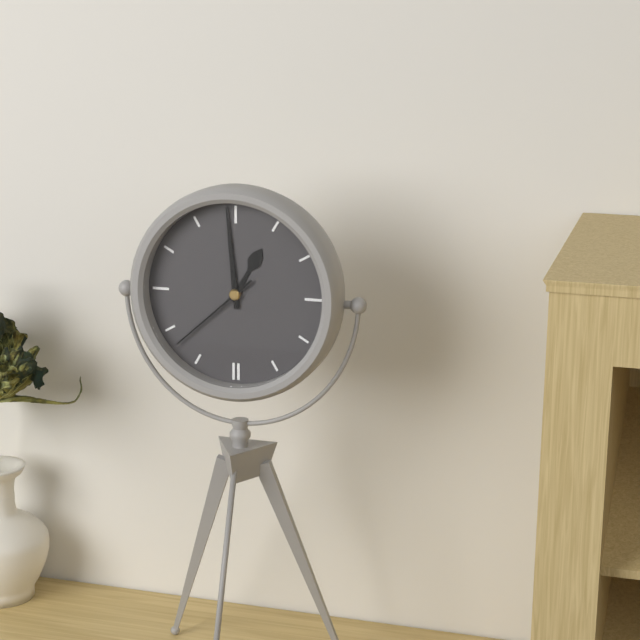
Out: 12h59m38s
